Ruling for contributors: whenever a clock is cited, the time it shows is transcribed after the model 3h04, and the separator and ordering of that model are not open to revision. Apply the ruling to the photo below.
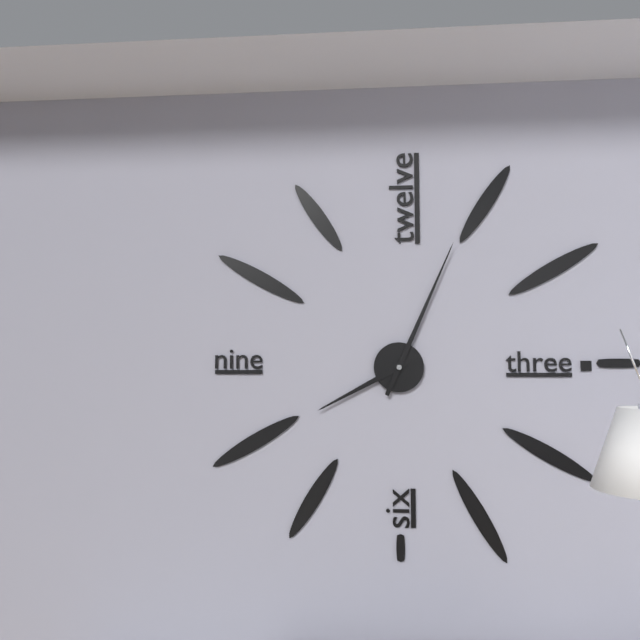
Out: 8h04
